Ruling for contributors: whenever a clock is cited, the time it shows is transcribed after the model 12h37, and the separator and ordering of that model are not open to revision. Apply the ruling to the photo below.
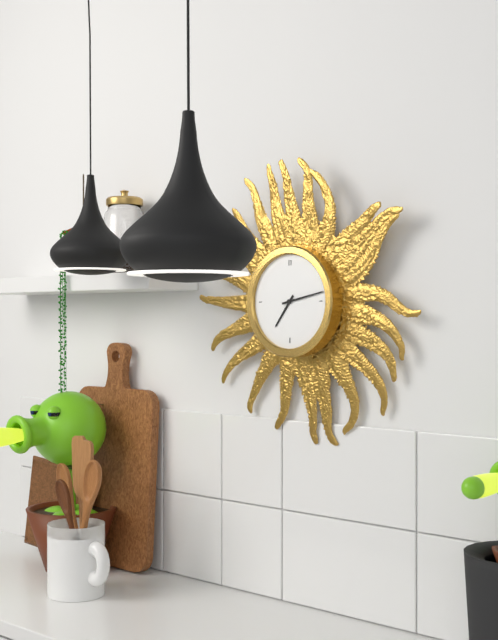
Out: 7h13
